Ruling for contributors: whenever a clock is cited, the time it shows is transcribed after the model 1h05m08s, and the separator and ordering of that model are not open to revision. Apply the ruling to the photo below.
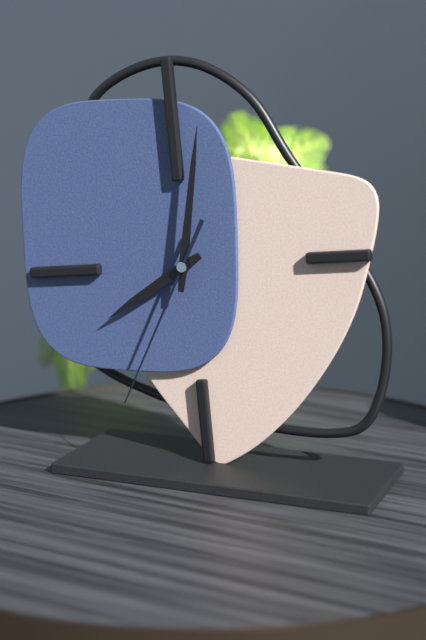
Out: 8h02m35s
